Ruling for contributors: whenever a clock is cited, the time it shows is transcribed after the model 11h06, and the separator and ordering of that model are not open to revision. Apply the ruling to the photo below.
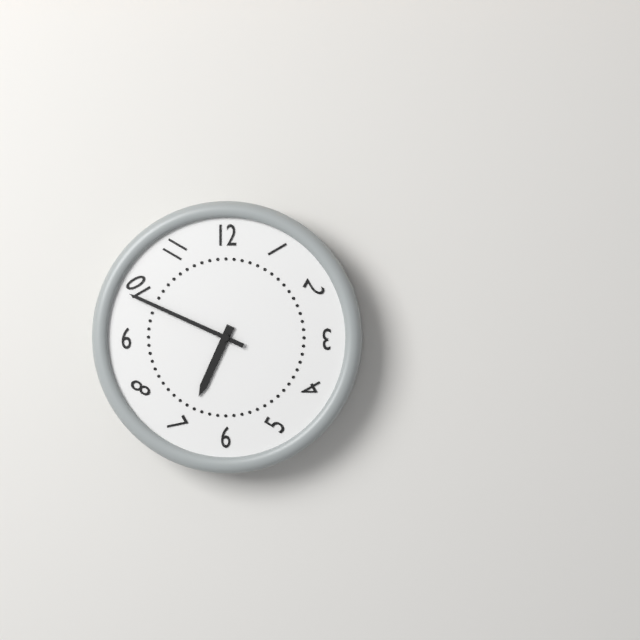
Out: 6h49
